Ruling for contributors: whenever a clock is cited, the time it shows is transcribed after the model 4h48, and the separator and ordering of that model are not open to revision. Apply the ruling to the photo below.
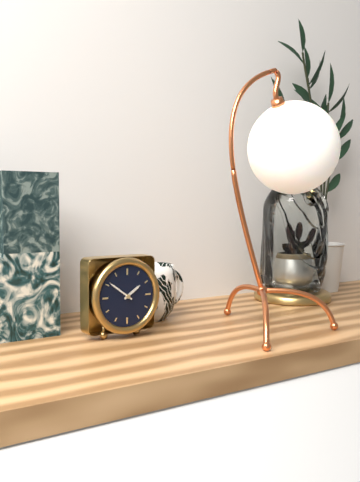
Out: 1h51
